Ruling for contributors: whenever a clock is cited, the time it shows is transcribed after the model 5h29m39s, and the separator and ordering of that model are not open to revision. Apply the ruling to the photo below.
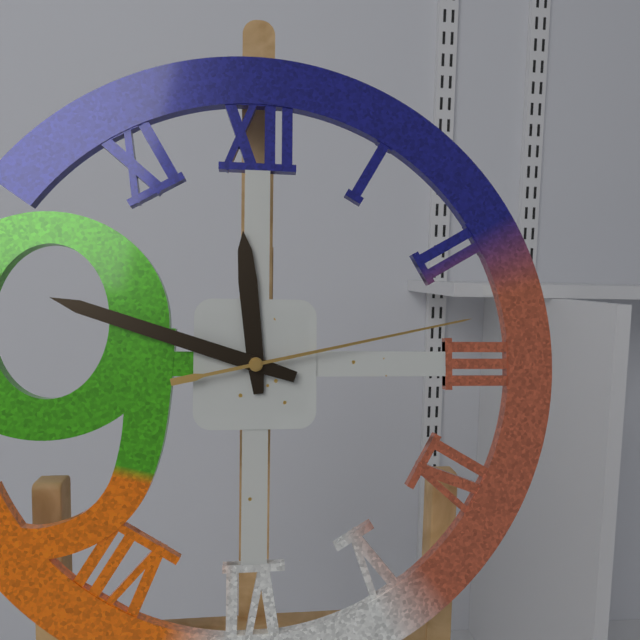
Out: 11h48m13s
